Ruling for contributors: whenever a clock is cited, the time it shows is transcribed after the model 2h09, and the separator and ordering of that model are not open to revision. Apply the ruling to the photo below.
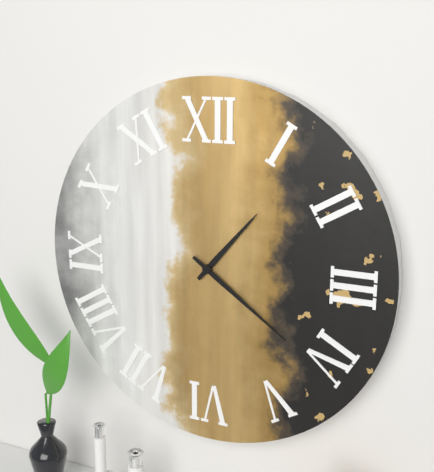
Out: 1h21
